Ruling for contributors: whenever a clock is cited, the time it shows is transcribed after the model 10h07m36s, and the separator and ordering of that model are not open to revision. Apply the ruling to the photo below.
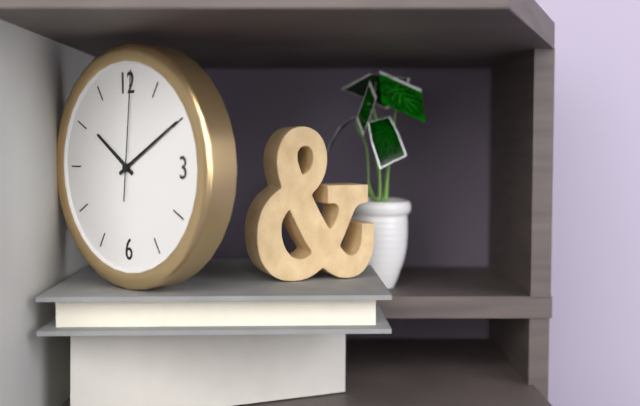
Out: 10h10m01s
